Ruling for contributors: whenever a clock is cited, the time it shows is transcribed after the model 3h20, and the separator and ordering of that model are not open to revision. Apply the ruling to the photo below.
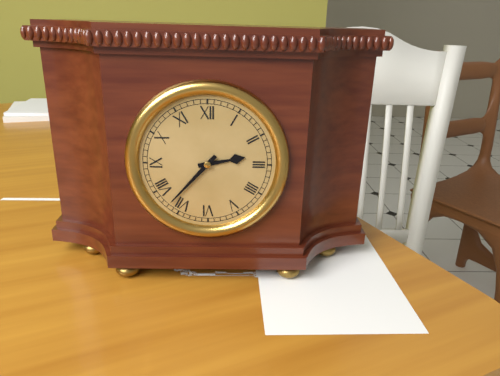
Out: 2h37
